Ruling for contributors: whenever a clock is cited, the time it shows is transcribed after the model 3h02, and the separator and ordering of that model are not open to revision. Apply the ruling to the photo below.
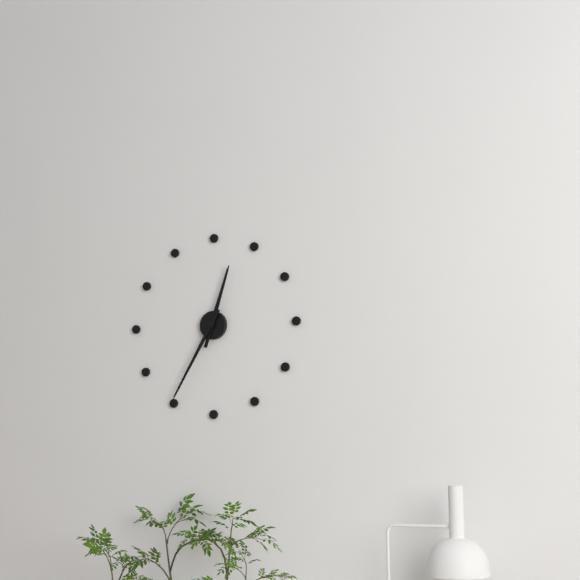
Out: 12h35
